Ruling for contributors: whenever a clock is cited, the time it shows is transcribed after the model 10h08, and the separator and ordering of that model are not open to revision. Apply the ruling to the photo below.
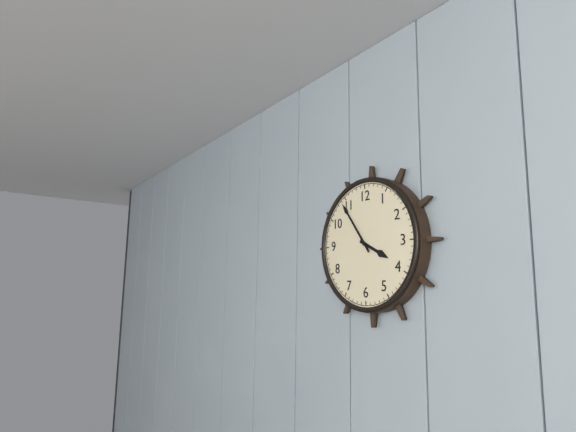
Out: 3h54
